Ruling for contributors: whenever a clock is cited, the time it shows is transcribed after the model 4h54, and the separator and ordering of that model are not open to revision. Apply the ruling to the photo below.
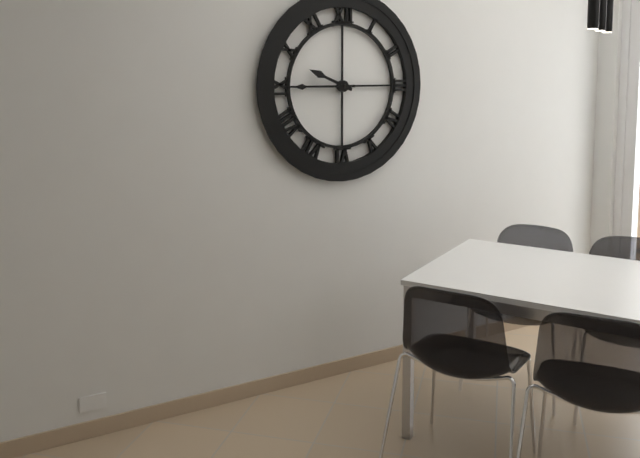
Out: 9h45
